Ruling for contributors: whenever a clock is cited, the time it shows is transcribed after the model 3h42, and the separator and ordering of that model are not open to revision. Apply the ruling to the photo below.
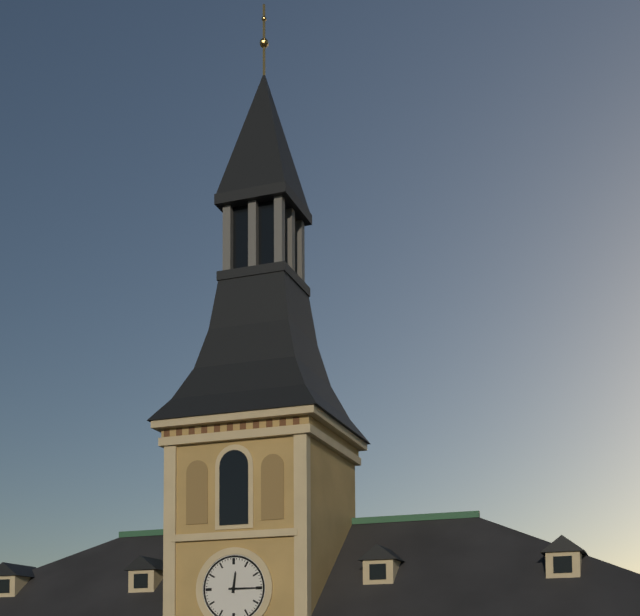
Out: 12h15
